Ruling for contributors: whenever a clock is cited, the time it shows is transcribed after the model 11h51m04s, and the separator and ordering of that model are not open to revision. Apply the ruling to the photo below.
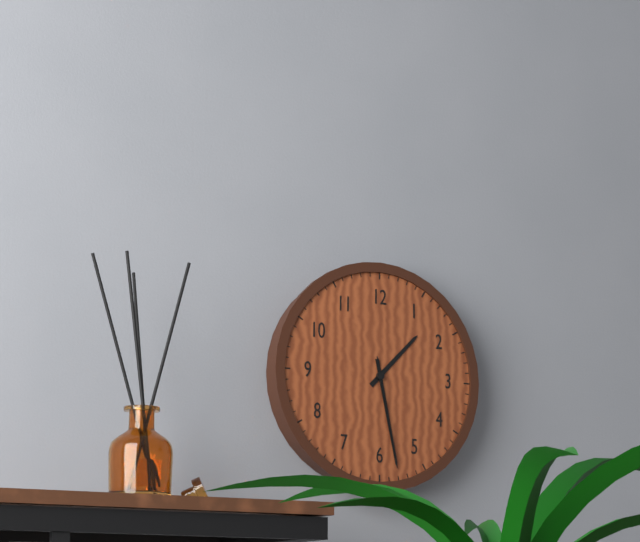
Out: 1h28m28s
